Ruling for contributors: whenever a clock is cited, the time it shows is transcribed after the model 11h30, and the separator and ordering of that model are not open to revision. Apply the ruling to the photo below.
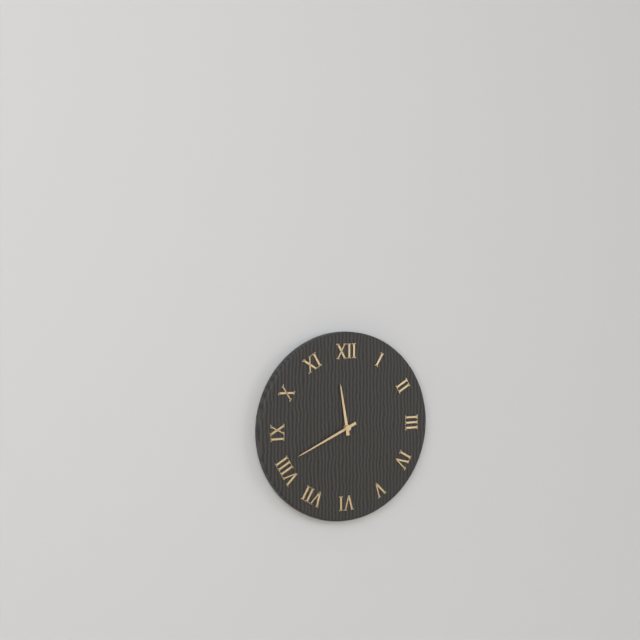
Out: 11h41
